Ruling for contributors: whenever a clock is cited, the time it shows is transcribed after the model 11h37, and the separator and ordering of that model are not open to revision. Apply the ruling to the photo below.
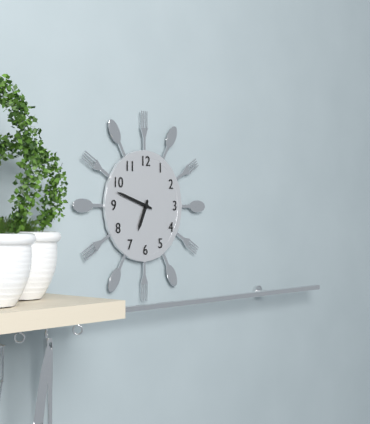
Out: 6h48
